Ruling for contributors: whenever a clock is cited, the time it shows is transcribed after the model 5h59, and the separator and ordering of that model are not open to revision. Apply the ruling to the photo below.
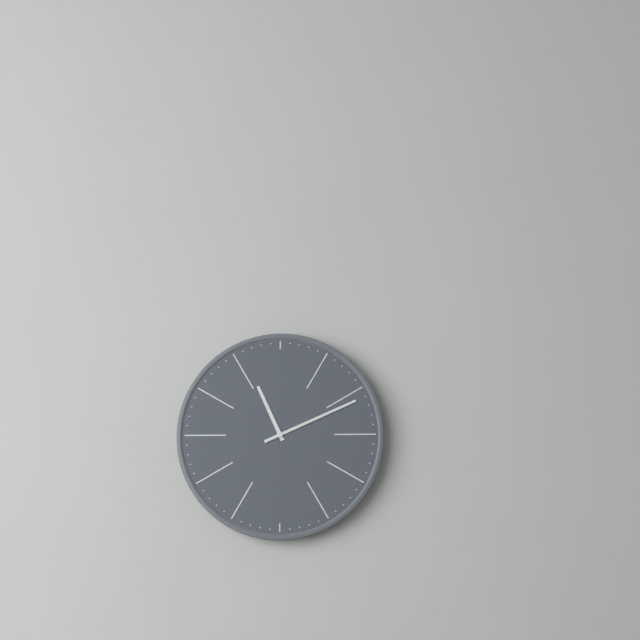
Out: 11h11
